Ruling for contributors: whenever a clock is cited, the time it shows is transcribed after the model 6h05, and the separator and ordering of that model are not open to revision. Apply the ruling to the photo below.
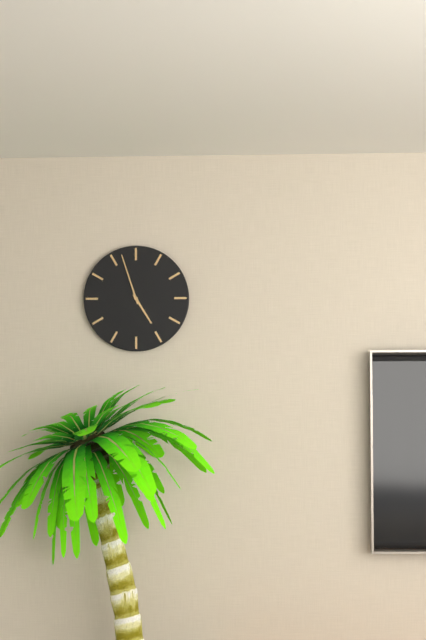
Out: 4h57
